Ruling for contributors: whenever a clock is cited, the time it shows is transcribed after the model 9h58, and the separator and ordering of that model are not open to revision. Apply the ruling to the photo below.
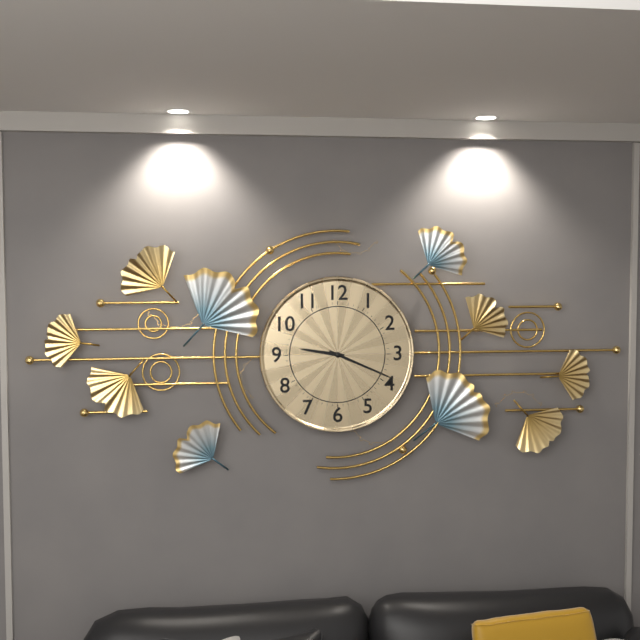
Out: 9h19
